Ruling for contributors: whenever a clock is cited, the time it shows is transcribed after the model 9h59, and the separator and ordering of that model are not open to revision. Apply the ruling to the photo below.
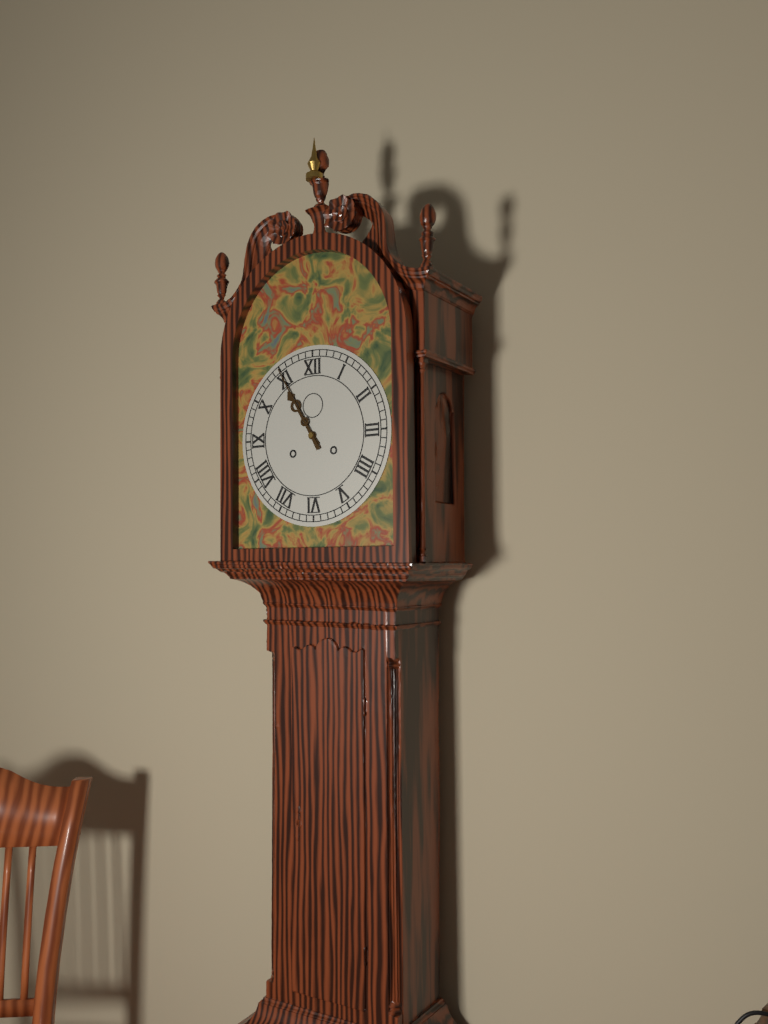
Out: 10h55
